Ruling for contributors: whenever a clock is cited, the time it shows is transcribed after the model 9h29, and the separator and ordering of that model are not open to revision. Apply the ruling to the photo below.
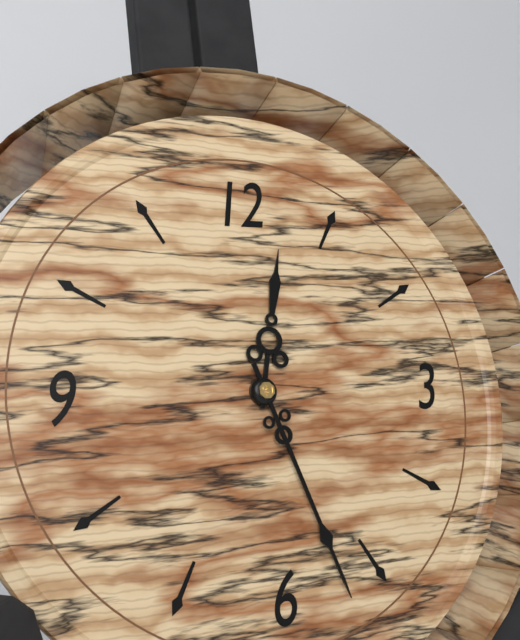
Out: 12h27
